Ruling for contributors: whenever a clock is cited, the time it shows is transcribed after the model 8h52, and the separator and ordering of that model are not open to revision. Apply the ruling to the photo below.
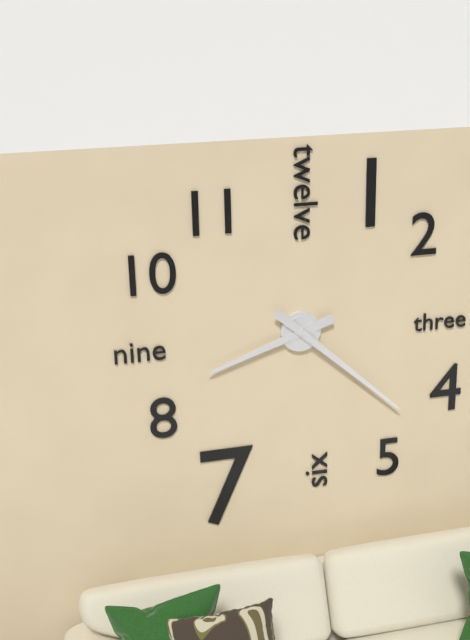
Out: 8h22
